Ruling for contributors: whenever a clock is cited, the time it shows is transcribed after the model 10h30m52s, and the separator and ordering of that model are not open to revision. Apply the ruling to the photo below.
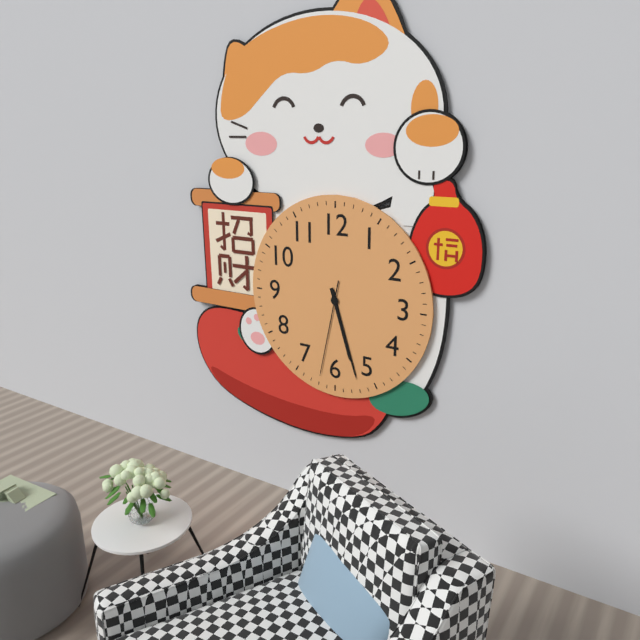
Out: 5h27m32s
